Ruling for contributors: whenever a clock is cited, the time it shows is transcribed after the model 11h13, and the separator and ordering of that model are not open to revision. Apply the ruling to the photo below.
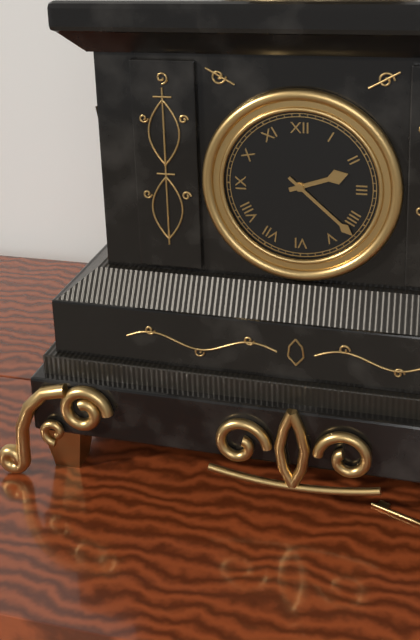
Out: 2h22
